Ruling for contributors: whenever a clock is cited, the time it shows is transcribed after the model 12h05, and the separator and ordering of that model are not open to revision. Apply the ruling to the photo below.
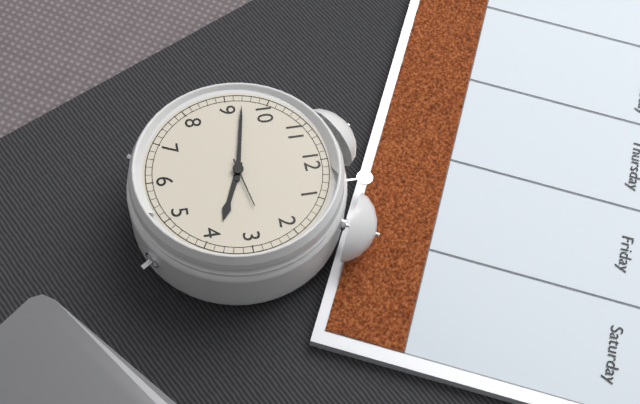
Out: 3h47
